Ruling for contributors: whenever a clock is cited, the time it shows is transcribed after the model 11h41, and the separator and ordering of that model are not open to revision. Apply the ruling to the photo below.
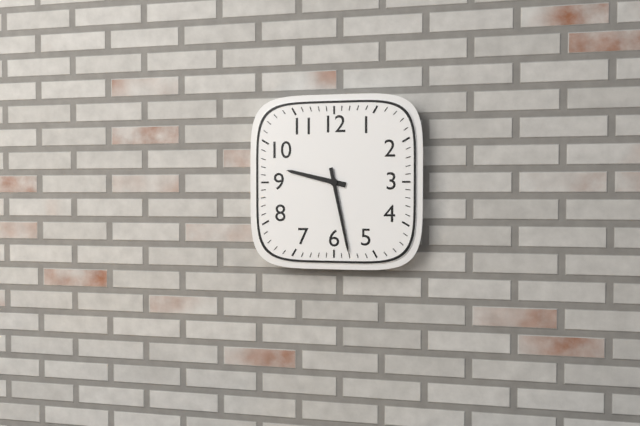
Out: 9h28
